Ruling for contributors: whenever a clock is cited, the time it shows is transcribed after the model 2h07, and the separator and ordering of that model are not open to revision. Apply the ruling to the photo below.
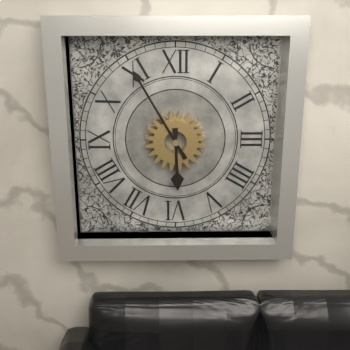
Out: 5h55
